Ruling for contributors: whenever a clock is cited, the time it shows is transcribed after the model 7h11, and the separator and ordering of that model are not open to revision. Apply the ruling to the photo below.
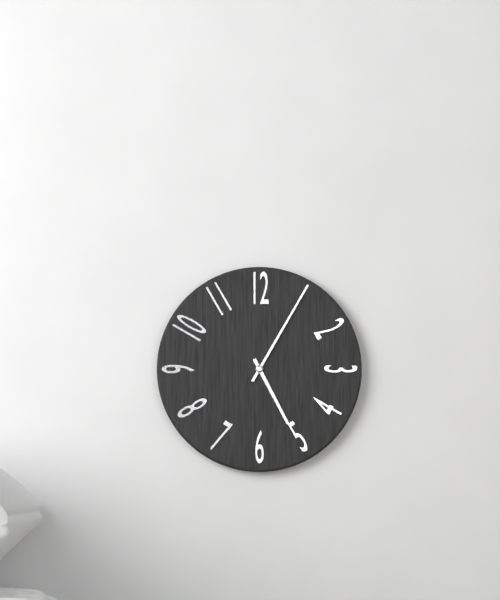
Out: 5h05
